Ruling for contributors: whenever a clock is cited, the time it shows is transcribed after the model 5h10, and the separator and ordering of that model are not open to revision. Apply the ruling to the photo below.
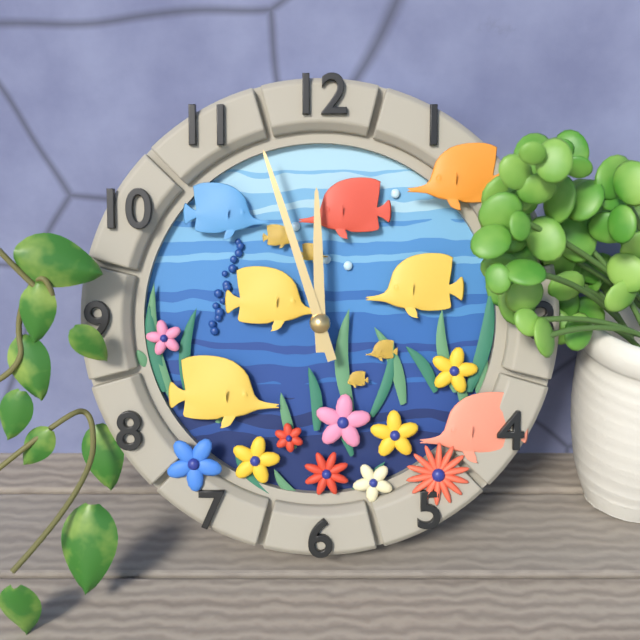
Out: 11h57
